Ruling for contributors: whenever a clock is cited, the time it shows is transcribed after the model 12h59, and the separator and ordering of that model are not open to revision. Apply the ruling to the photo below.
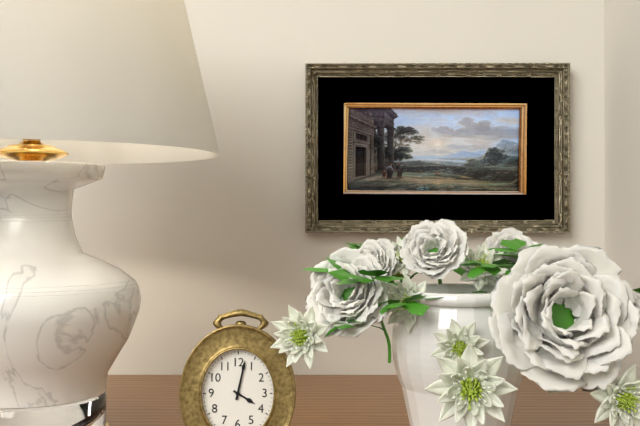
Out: 4h02
